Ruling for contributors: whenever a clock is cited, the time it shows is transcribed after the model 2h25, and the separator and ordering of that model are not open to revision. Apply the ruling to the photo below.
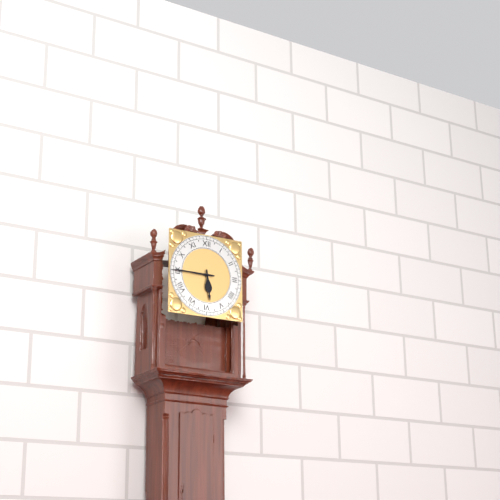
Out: 5h45
